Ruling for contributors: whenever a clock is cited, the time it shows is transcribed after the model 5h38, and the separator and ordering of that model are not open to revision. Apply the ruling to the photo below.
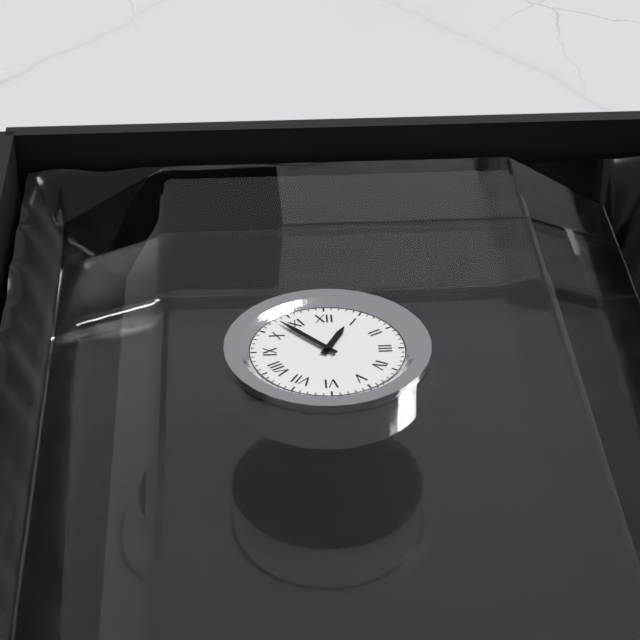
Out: 12h53
